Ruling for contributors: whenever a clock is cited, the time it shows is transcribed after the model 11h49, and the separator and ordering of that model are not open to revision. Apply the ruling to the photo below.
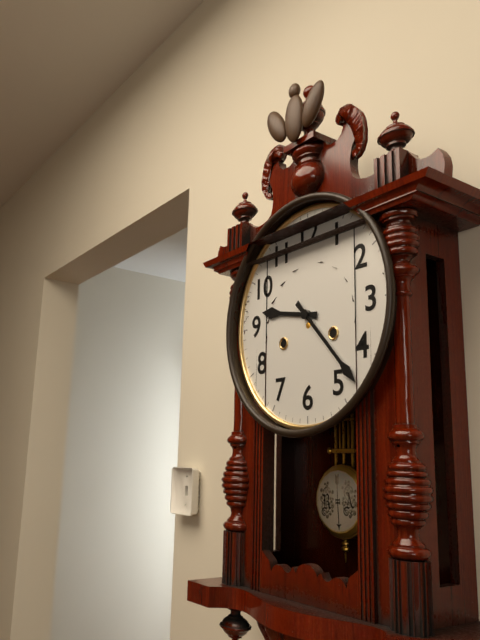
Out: 9h23
